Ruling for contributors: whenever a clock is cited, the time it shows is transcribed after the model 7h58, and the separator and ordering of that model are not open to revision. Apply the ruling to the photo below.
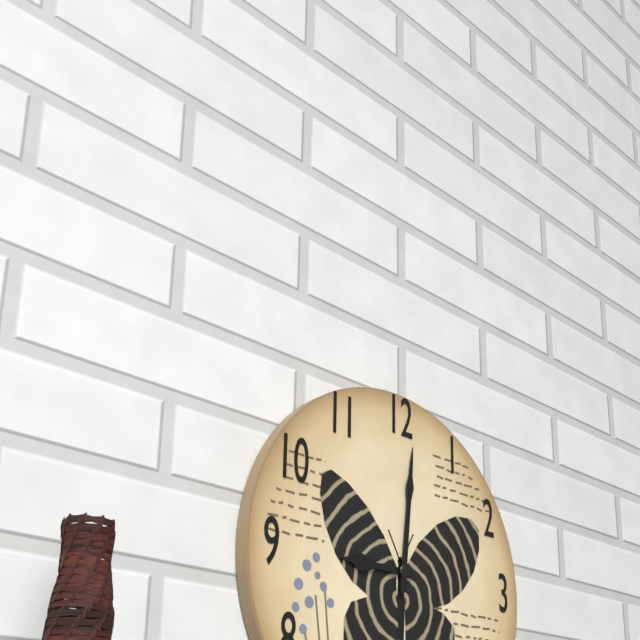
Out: 9h01
